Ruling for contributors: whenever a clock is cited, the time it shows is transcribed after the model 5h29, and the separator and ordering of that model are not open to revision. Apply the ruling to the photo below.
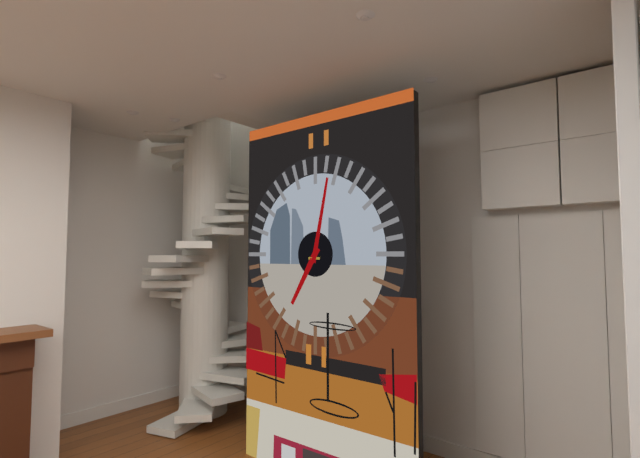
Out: 7h02
